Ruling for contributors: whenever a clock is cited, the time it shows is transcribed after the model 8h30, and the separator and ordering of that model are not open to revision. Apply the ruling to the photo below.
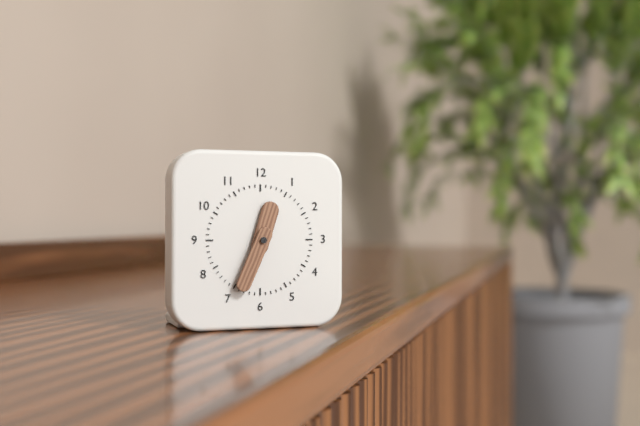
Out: 12h34
